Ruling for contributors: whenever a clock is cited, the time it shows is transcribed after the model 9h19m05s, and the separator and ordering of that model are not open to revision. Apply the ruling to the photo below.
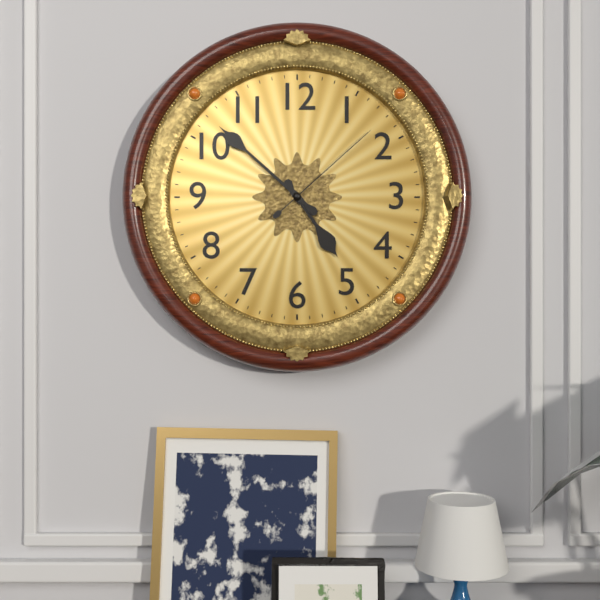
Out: 4h52m08s
